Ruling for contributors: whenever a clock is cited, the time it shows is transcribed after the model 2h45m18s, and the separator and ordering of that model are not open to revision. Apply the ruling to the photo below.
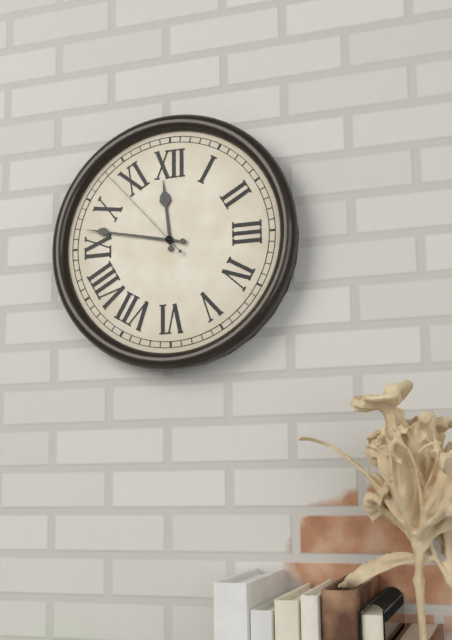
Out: 11h47m53s
